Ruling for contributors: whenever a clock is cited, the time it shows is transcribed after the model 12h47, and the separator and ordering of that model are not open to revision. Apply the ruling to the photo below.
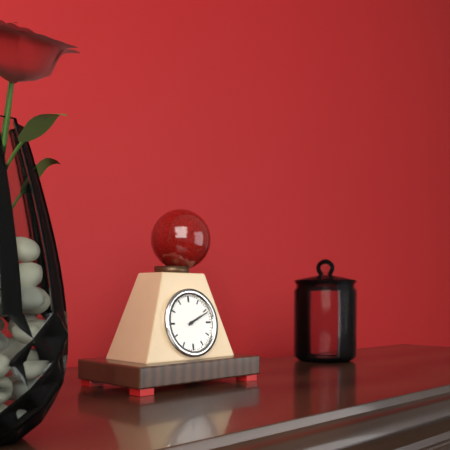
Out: 2h11
